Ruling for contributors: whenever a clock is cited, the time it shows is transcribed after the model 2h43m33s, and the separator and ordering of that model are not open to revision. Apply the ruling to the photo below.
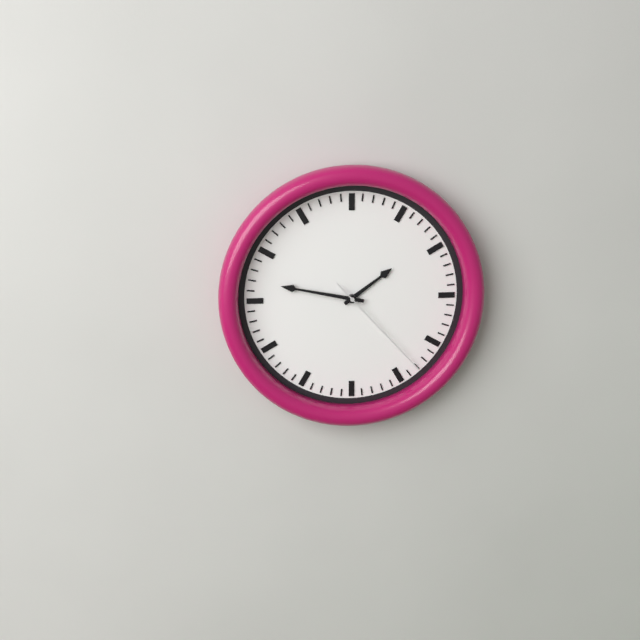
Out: 1h47m23s
